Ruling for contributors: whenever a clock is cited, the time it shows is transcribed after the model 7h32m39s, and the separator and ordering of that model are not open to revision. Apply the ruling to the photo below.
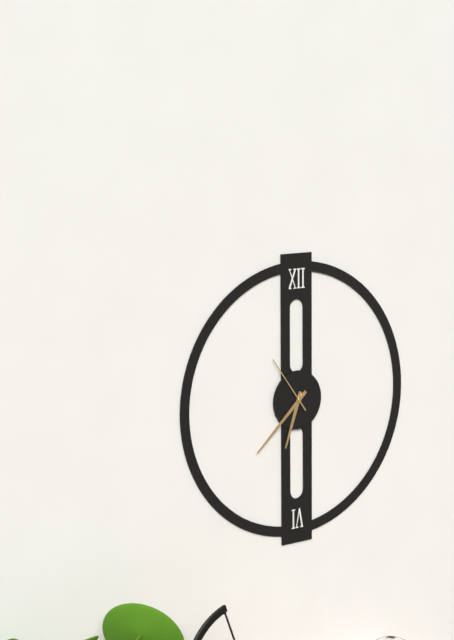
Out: 6h38m54s
